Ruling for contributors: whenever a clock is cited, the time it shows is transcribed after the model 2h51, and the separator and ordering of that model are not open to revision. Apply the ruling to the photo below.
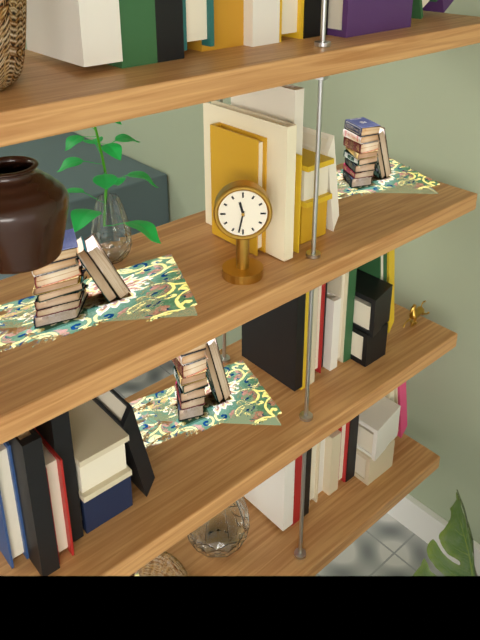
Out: 11h32
